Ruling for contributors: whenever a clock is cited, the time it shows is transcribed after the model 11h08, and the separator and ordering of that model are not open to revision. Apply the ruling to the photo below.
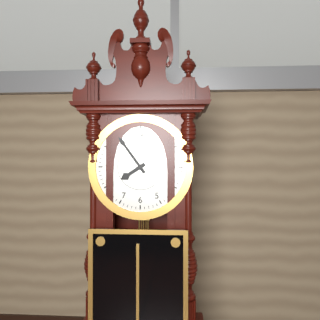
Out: 7h54
